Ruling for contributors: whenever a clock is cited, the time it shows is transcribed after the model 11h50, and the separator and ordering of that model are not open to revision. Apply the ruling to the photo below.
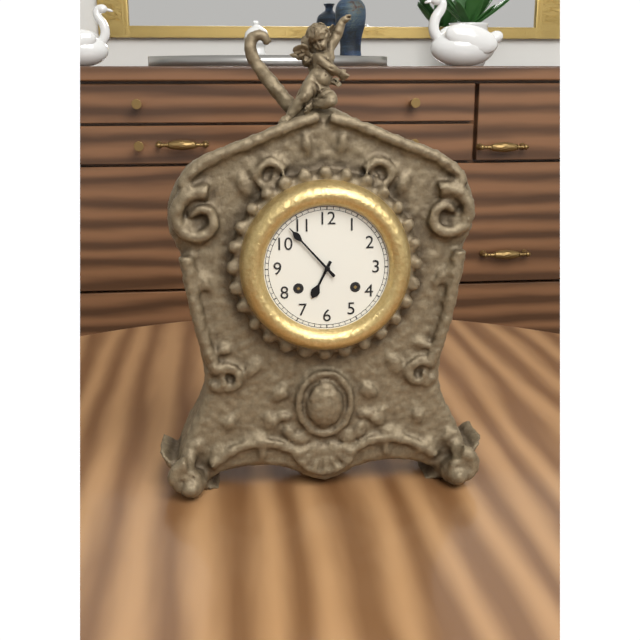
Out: 6h53
